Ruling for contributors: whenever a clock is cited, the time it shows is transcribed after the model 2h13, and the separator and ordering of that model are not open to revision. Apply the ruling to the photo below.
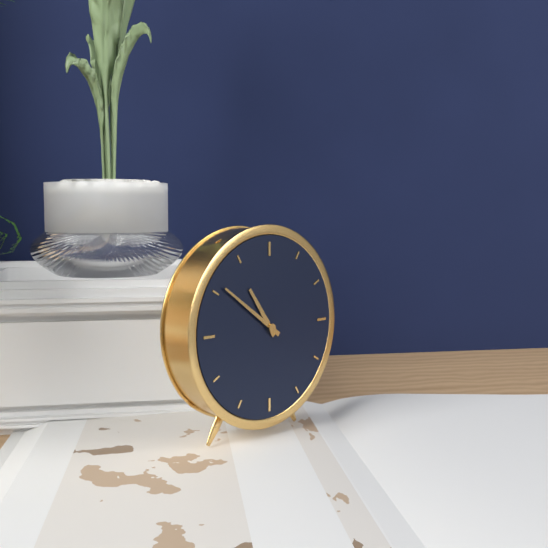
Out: 10h51
